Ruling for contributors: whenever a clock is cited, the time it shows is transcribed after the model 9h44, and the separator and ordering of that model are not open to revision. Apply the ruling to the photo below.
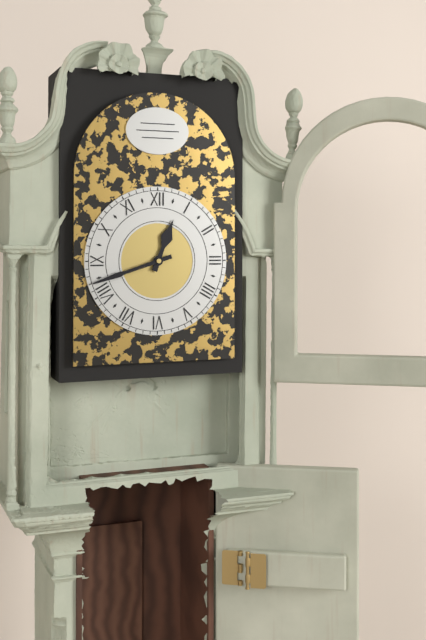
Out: 12h42
